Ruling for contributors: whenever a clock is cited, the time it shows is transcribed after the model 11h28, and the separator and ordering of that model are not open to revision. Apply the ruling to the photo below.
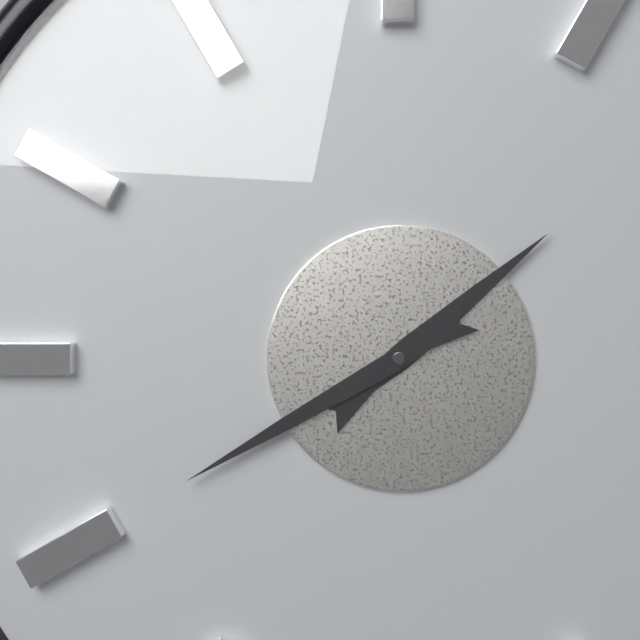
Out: 1h40
